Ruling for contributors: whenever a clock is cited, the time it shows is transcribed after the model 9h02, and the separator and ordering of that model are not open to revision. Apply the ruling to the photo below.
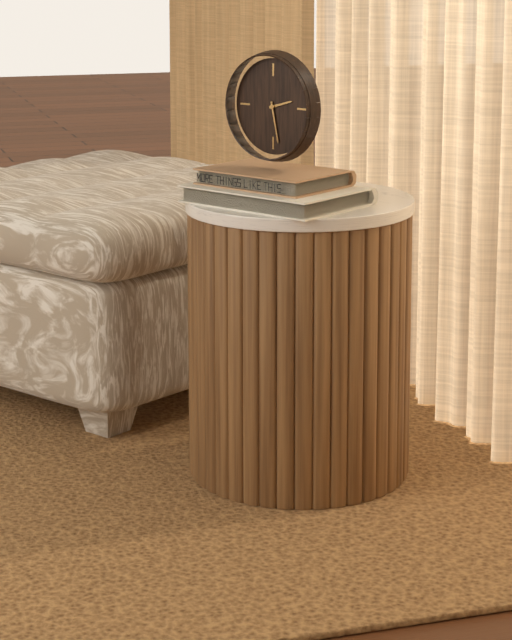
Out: 2h28
